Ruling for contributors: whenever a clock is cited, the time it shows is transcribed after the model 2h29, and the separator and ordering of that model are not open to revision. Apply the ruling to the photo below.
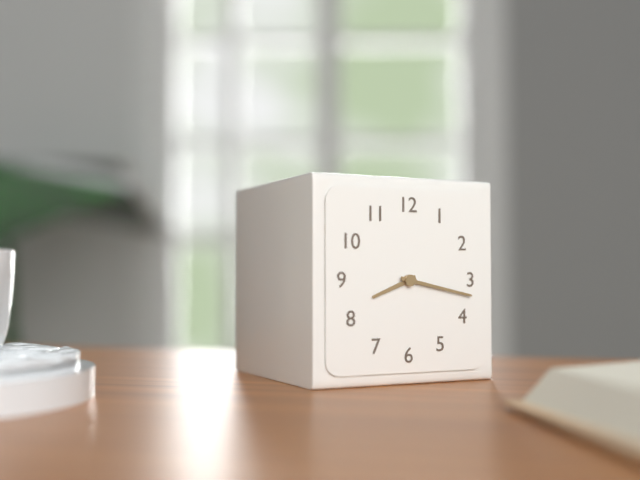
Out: 8h17
